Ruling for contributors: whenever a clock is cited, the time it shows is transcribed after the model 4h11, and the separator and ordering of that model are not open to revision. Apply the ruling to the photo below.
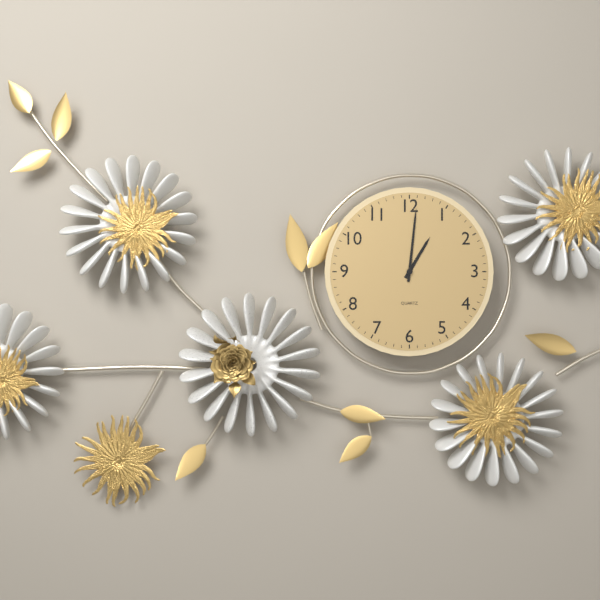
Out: 1h01
